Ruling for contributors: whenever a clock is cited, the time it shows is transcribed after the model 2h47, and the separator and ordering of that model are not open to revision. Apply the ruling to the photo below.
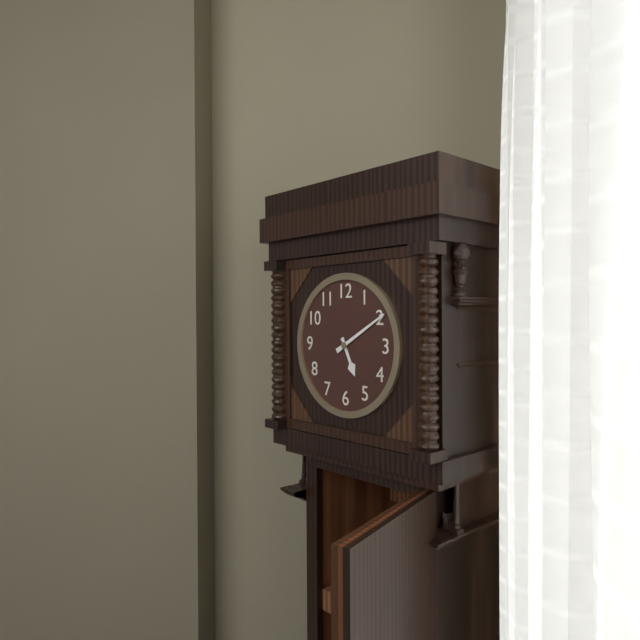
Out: 5h10
